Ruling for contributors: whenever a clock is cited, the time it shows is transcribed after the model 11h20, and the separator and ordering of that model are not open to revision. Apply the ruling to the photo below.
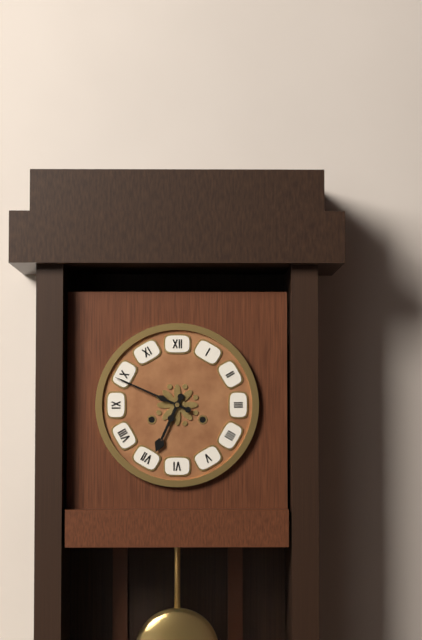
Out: 6h49
